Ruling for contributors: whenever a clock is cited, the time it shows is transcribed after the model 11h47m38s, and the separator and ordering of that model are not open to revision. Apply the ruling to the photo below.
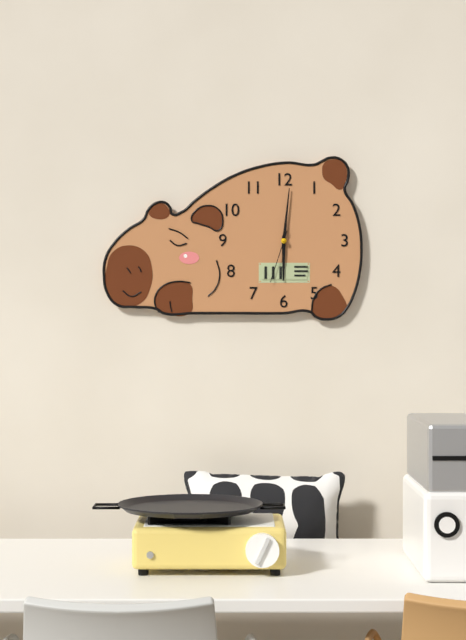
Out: 6h01m33s
